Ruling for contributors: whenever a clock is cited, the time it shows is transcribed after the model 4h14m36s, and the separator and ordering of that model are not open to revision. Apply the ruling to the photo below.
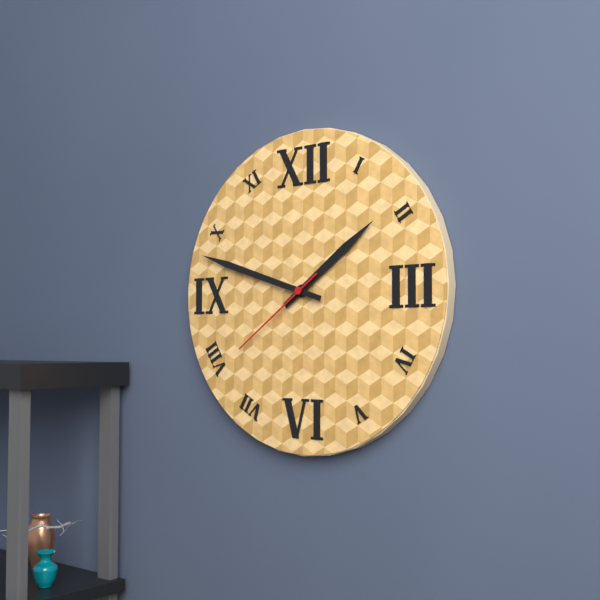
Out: 1h48m39s
